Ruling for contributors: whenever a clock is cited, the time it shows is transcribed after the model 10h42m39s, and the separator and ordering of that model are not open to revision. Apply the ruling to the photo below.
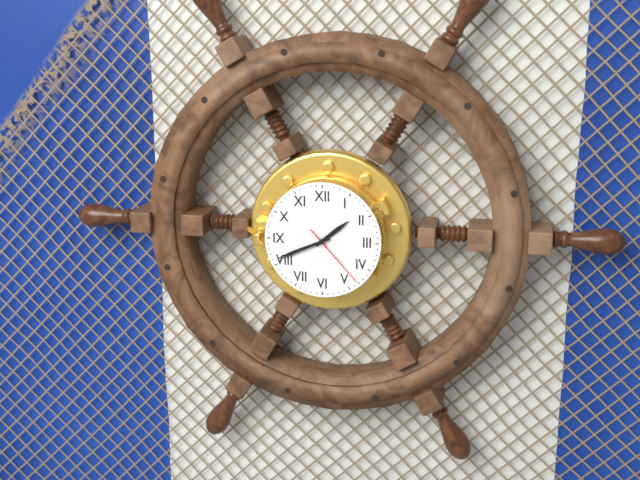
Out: 1h41m23s
